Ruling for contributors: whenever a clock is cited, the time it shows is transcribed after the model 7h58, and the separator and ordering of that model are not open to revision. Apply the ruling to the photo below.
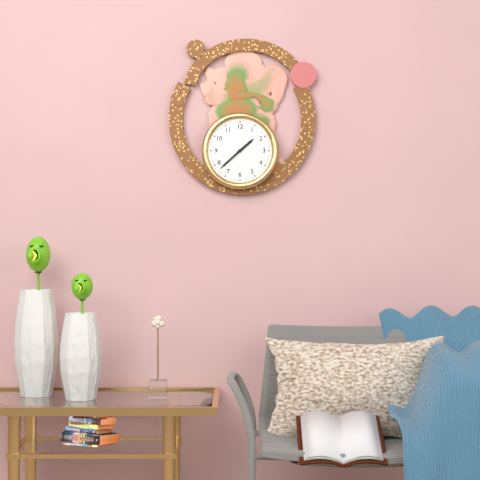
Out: 1h38
